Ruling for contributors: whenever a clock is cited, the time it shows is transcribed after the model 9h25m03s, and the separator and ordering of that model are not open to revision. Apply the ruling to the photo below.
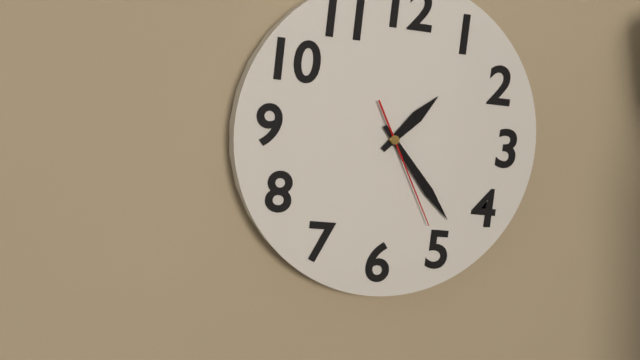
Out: 1h23m25s
